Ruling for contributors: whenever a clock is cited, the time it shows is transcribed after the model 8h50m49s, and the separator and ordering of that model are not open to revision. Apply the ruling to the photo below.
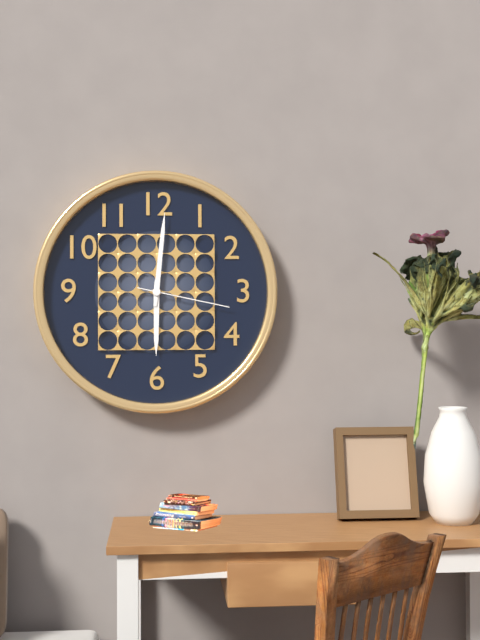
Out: 6h01m17s
